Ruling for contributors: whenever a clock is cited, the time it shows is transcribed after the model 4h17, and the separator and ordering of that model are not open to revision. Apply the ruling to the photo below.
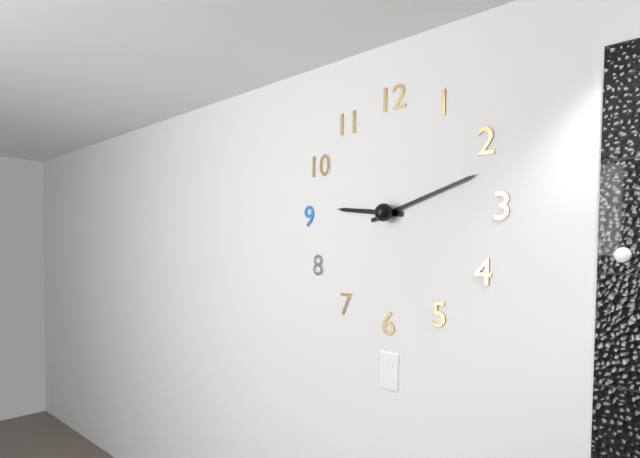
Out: 9h12
